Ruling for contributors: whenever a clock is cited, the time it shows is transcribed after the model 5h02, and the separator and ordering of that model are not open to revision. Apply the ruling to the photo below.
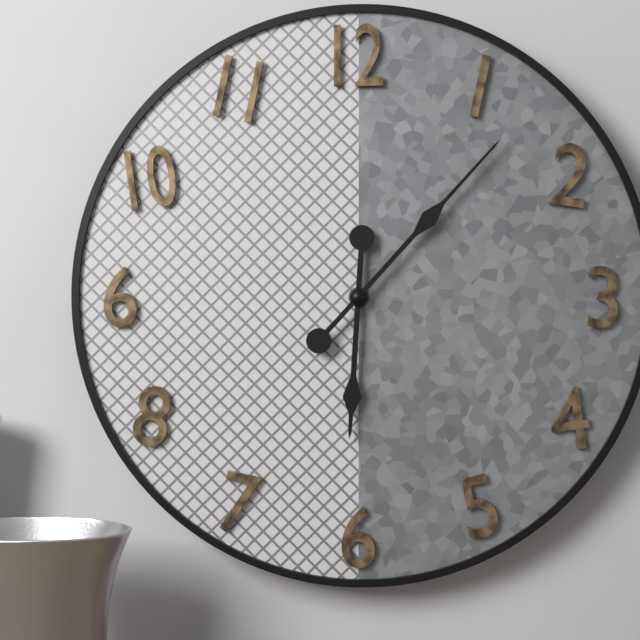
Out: 6h07
